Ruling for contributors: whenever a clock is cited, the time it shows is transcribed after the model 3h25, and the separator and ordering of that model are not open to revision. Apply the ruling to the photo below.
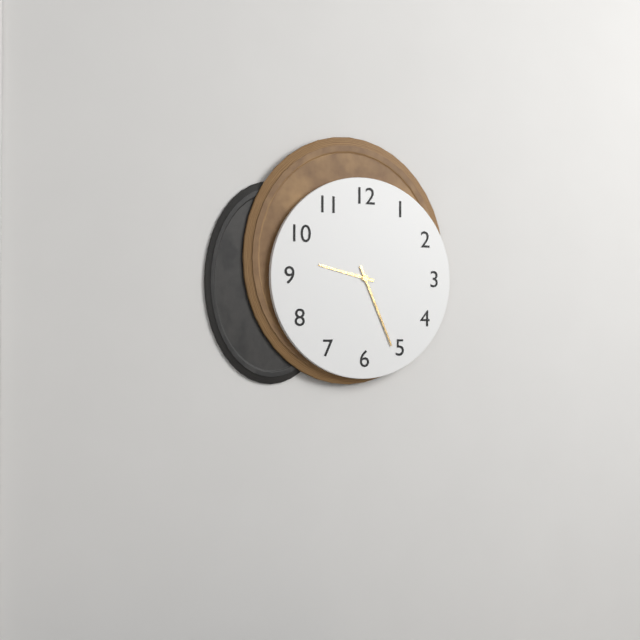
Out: 9h26
